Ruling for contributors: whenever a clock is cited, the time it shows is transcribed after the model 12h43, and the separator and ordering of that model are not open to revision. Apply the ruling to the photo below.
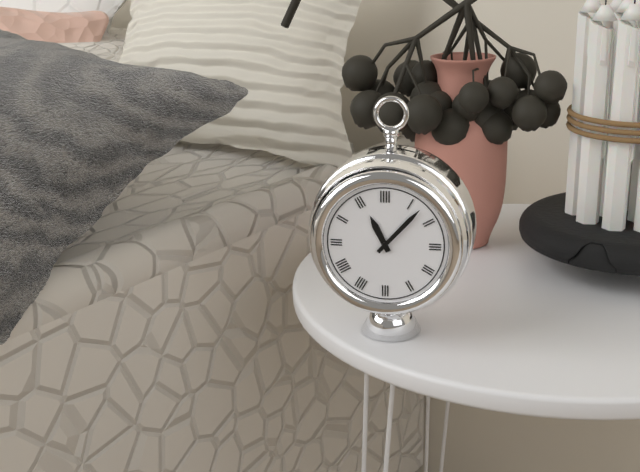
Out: 11h07
